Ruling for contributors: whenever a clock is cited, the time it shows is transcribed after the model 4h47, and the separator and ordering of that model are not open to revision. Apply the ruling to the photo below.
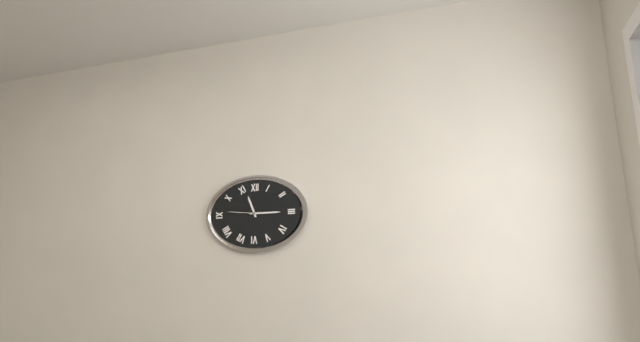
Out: 11h15
